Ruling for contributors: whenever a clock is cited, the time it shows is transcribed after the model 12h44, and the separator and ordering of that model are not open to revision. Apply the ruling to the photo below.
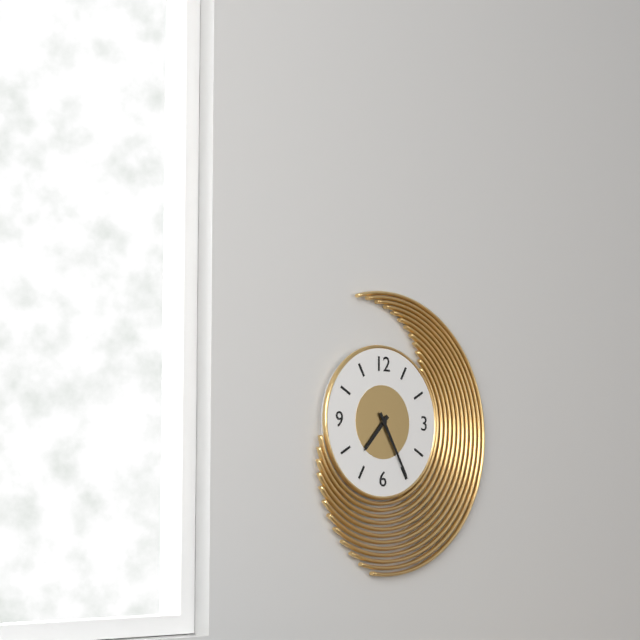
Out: 7h25
